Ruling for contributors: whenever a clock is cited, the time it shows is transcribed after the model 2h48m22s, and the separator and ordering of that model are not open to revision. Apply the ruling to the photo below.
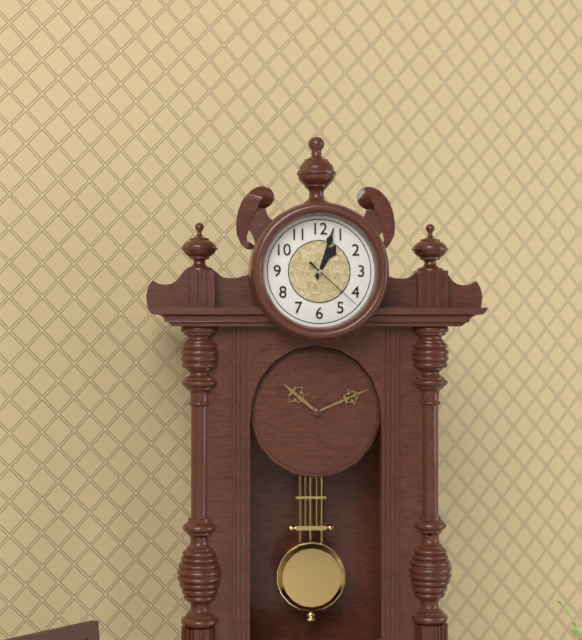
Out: 1h03m22s
